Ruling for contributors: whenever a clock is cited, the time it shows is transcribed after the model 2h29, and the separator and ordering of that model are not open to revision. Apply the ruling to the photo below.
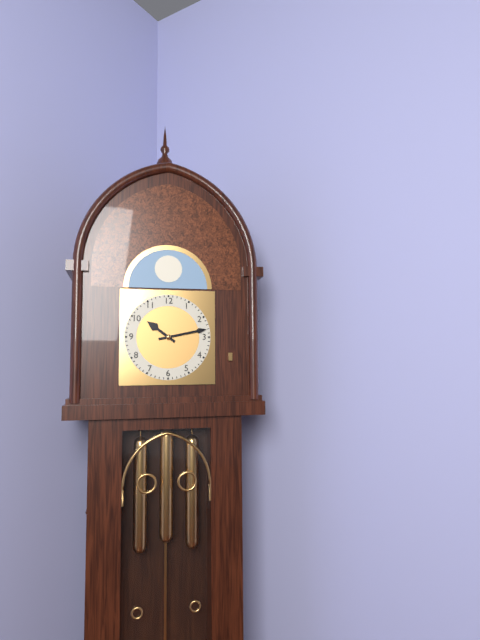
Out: 10h13
